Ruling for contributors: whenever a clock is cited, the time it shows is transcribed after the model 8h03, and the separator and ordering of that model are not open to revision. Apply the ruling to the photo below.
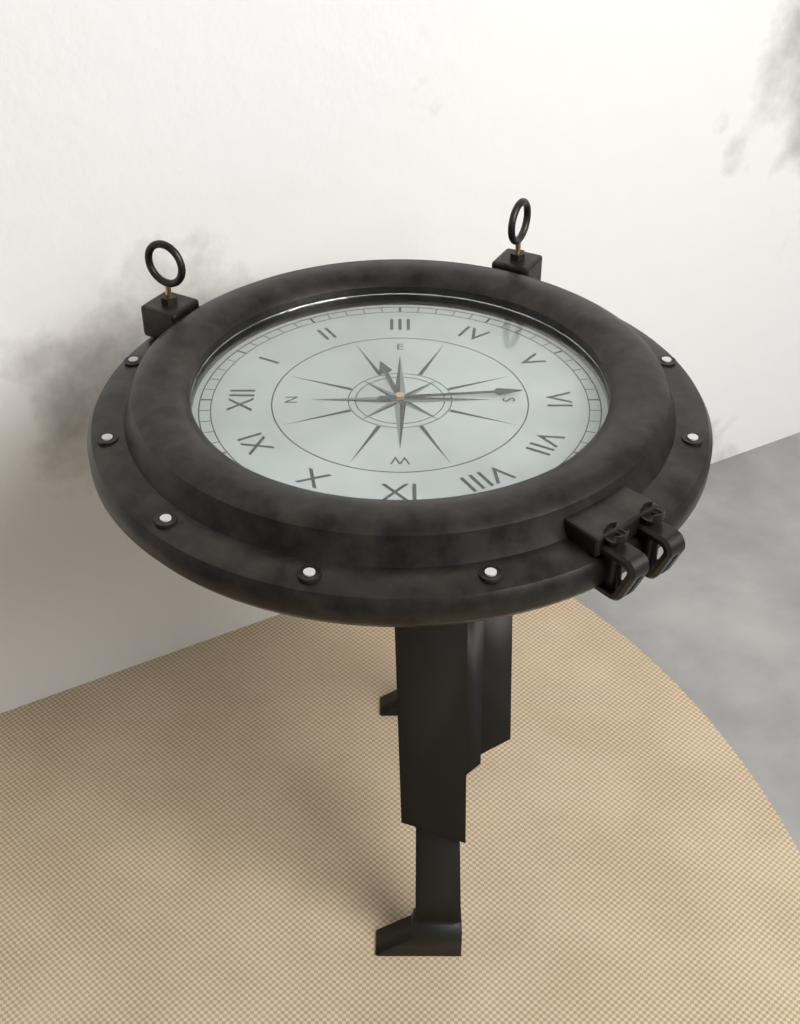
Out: 2h29
